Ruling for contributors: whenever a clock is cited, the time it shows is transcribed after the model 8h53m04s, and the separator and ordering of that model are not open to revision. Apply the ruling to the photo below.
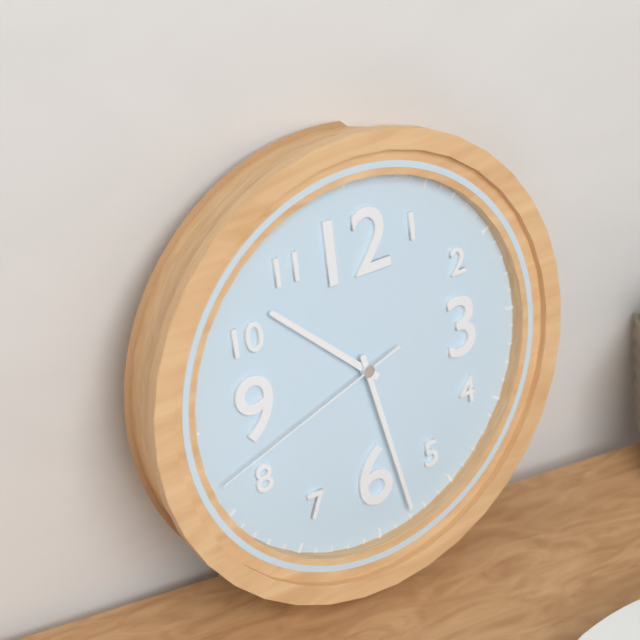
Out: 10h28m42s
